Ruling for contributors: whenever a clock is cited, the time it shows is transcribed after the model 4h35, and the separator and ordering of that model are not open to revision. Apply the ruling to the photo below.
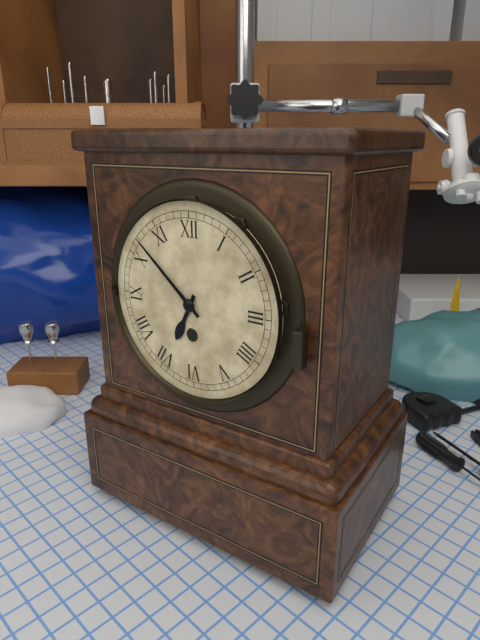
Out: 6h52
